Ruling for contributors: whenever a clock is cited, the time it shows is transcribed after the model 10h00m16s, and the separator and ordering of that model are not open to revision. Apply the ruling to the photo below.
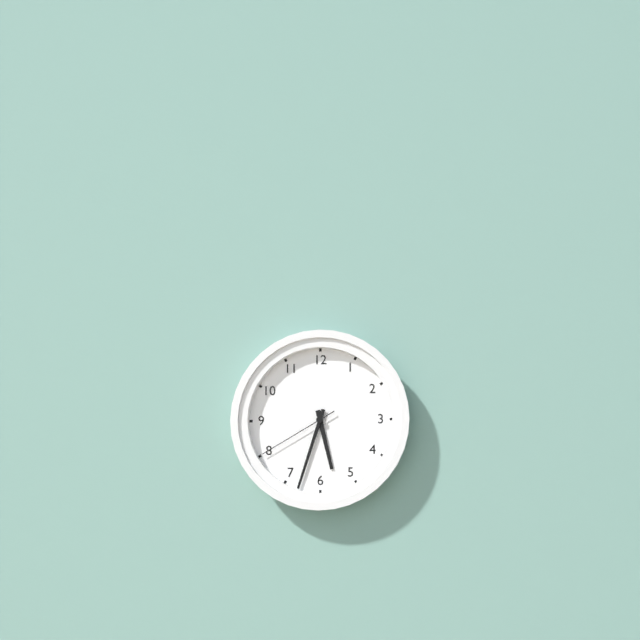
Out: 5h33m40s
